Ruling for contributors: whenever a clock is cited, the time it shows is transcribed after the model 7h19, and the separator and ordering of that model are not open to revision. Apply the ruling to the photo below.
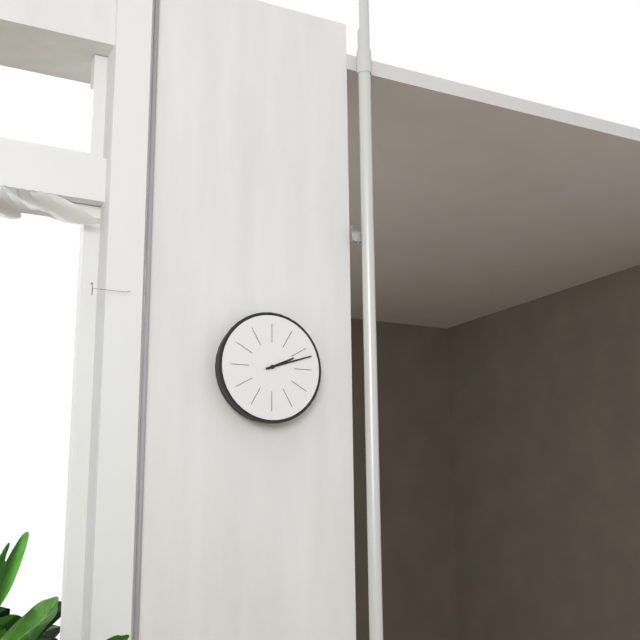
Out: 2h12
